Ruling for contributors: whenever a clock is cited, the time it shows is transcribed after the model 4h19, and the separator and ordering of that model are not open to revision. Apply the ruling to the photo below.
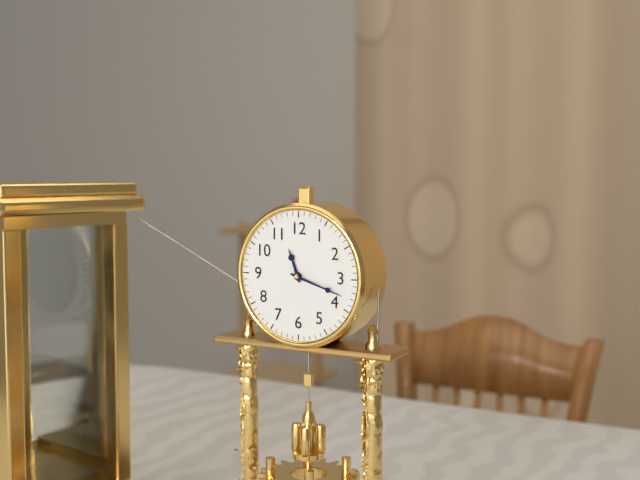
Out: 11h18
